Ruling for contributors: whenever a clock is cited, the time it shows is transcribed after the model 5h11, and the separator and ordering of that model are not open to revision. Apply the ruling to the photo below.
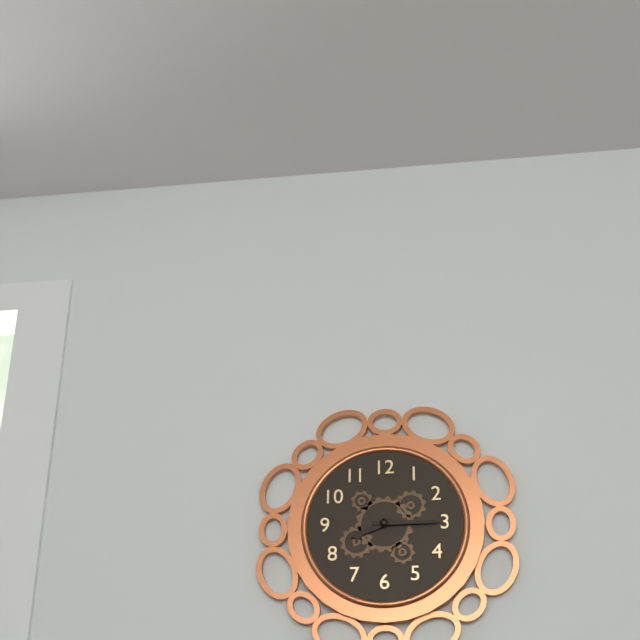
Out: 8h15
